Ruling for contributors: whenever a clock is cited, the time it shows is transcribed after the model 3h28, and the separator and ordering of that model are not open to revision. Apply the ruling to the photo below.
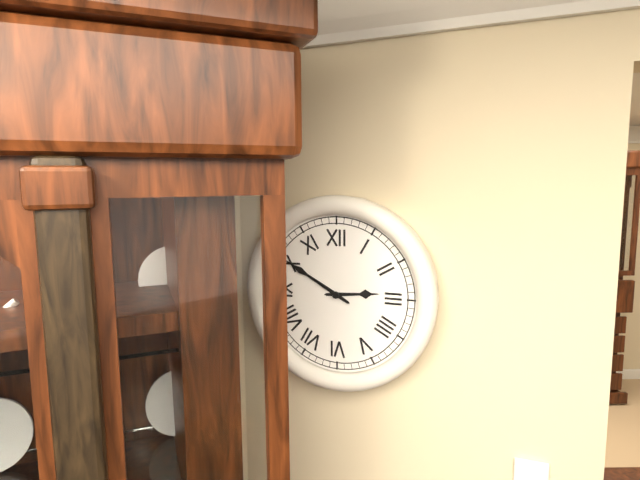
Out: 2h50
